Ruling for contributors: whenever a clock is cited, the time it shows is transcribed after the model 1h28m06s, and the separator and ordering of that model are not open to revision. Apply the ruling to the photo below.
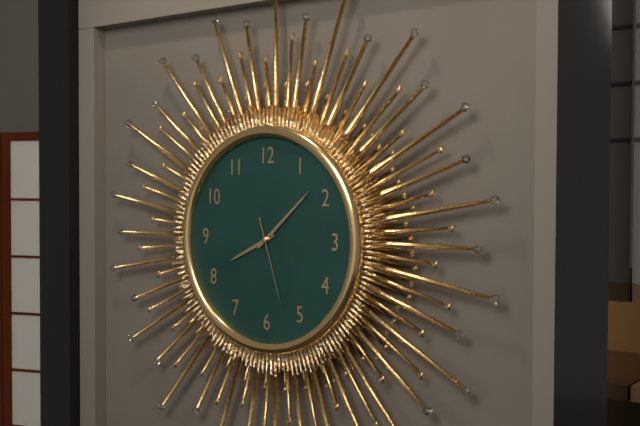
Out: 8h08m27s
